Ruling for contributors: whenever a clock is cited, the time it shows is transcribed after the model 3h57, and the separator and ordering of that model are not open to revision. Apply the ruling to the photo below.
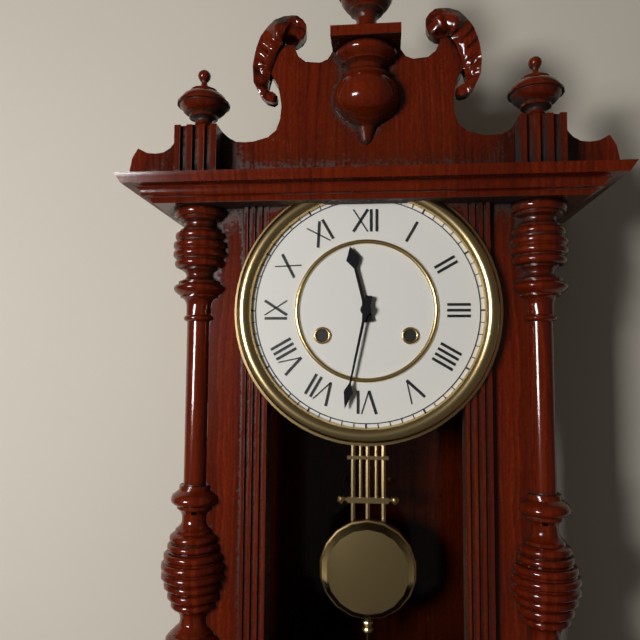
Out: 11h32
